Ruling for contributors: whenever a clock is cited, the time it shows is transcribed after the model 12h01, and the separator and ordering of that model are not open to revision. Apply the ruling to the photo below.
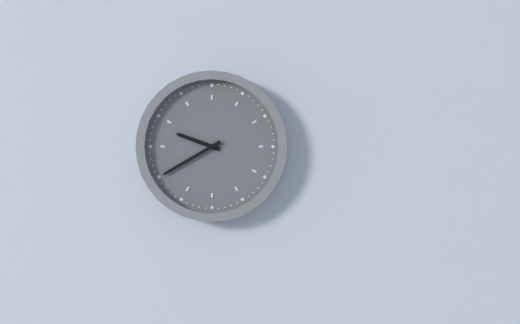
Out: 9h40
